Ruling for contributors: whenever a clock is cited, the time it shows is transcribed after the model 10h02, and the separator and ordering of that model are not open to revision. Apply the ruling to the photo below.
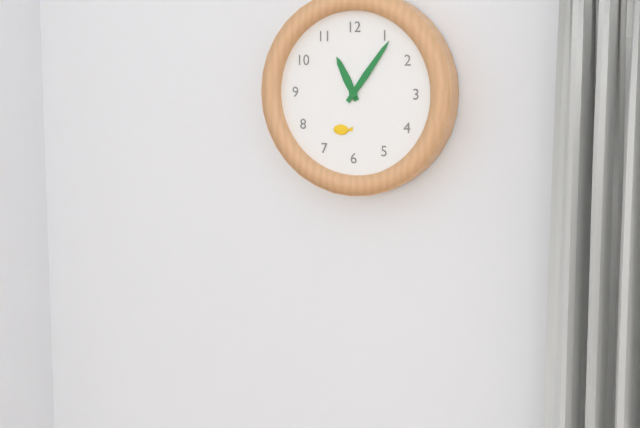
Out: 11h06
